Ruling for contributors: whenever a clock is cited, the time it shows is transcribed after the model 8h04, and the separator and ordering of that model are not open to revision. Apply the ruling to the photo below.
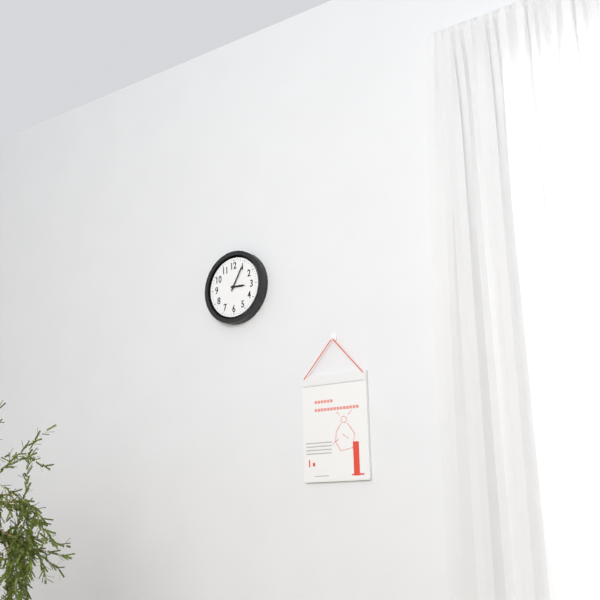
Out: 3h05
